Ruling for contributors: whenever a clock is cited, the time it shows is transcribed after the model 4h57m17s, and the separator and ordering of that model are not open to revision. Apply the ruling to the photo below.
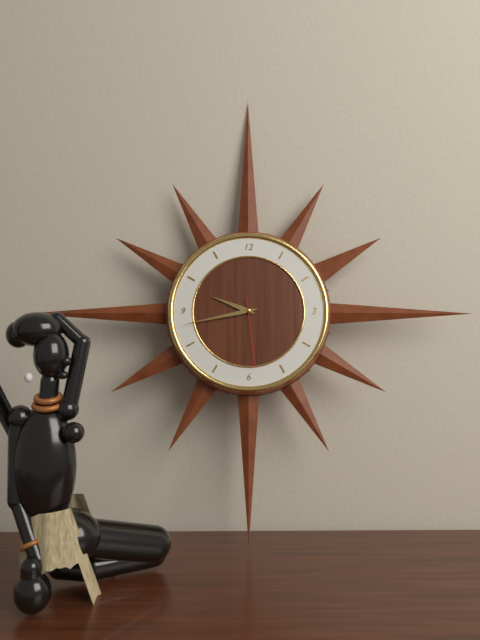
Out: 9h43m29s
